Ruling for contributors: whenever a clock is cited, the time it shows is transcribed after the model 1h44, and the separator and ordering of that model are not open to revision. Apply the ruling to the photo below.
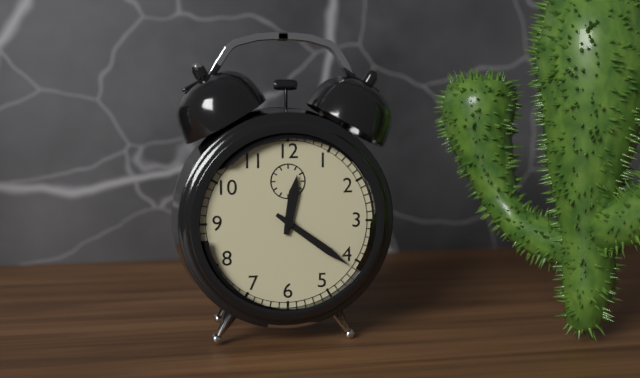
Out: 12h21
